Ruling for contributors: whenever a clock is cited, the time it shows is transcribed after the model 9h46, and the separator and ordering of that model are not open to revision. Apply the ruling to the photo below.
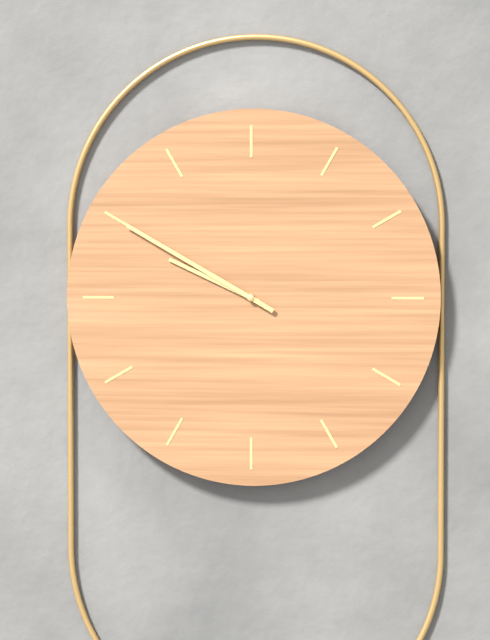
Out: 9h50
